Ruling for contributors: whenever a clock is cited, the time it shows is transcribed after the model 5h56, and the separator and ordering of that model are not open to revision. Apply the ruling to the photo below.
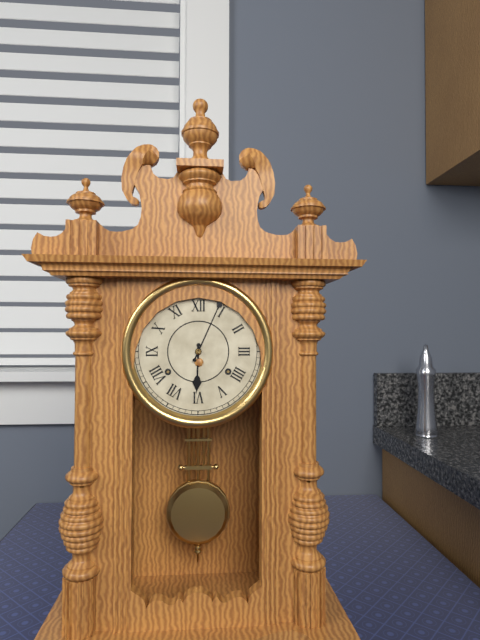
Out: 6h04
